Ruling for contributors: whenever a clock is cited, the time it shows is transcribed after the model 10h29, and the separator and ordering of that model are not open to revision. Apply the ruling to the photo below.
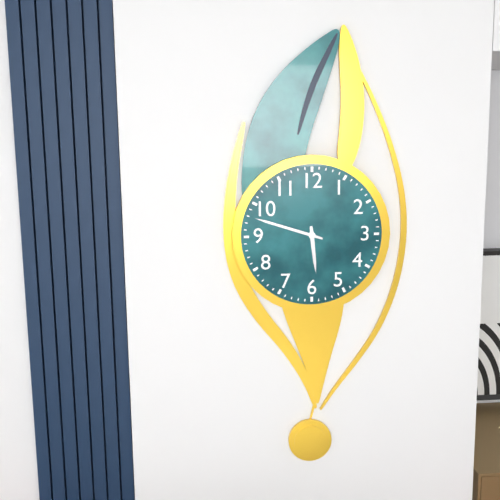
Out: 5h48
